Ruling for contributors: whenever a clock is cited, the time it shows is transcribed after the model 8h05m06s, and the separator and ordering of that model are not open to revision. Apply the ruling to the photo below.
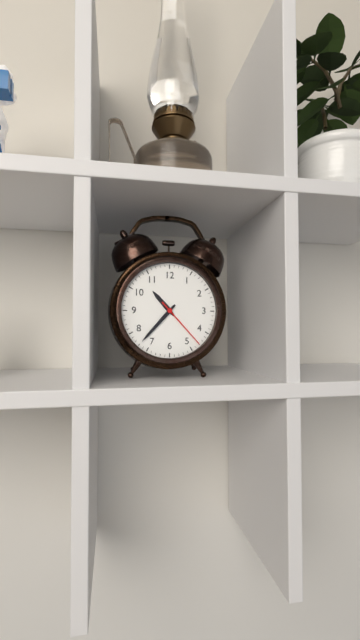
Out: 10h37m23s
